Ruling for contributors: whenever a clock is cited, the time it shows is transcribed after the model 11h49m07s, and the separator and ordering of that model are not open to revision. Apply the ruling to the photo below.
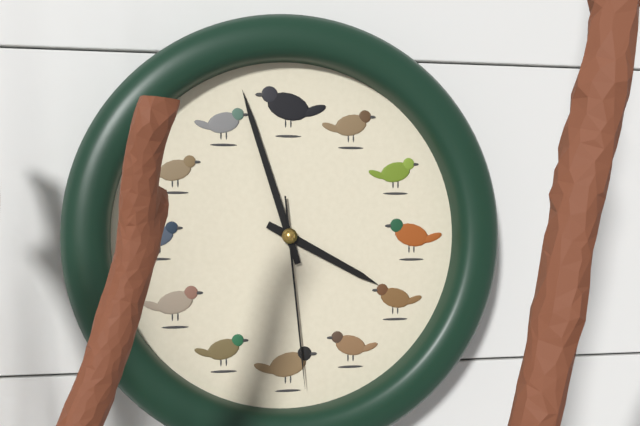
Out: 3h57m29s
